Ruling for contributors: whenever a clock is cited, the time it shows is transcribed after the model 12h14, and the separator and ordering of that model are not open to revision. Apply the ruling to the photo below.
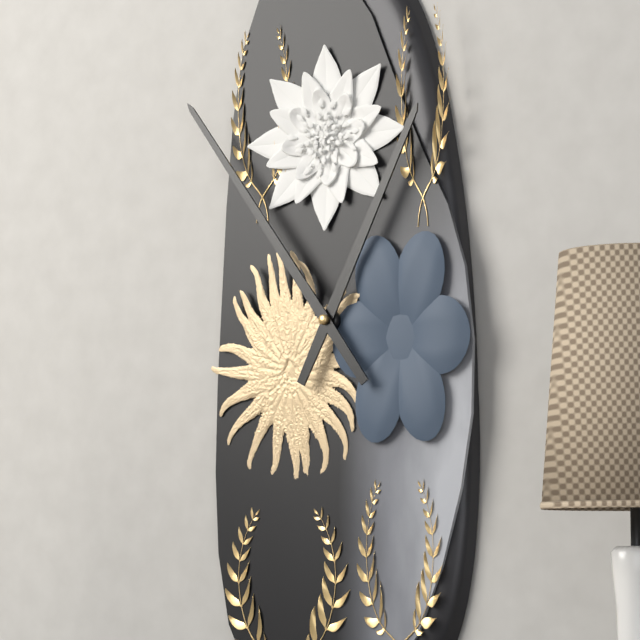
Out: 12h54
